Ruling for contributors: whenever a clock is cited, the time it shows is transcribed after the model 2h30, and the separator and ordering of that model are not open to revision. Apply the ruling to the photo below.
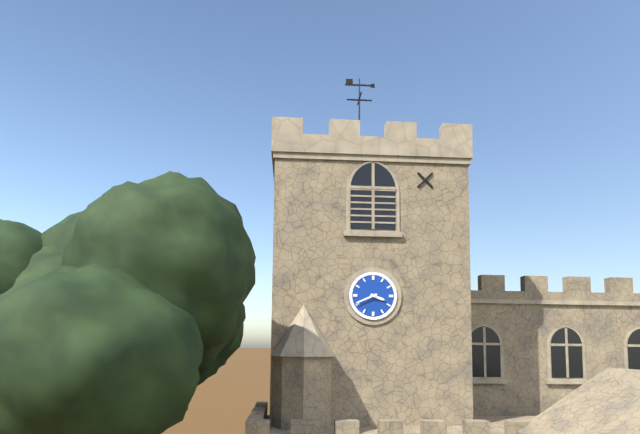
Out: 3h41
